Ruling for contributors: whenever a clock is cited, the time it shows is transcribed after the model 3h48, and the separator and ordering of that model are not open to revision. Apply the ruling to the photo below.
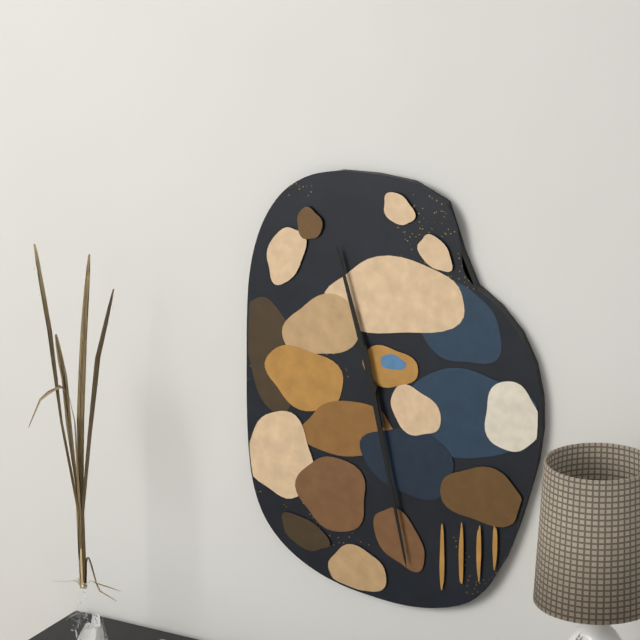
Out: 11h28
